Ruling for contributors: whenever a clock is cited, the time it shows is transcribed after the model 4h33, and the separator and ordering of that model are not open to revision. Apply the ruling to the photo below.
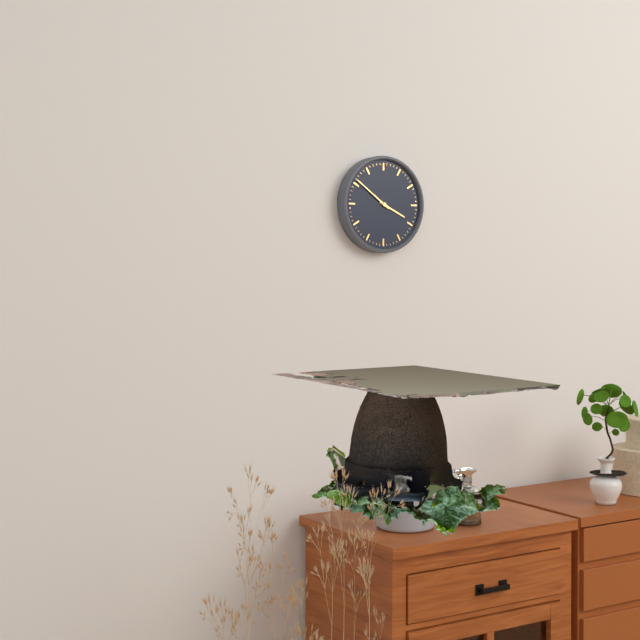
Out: 3h51
